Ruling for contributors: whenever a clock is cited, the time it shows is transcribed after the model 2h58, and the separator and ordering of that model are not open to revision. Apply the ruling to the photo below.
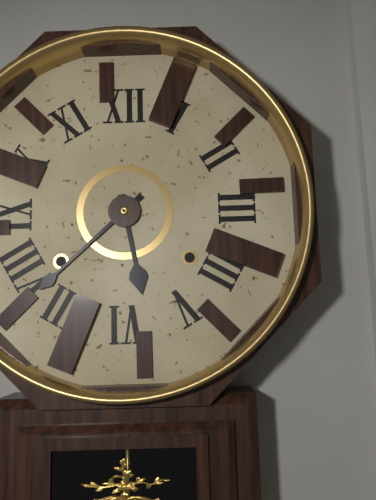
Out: 5h38
